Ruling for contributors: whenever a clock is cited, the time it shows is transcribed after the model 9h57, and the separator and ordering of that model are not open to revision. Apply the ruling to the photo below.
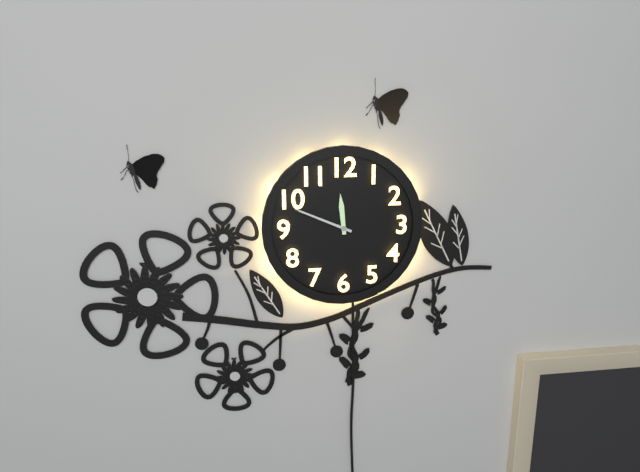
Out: 11h49
